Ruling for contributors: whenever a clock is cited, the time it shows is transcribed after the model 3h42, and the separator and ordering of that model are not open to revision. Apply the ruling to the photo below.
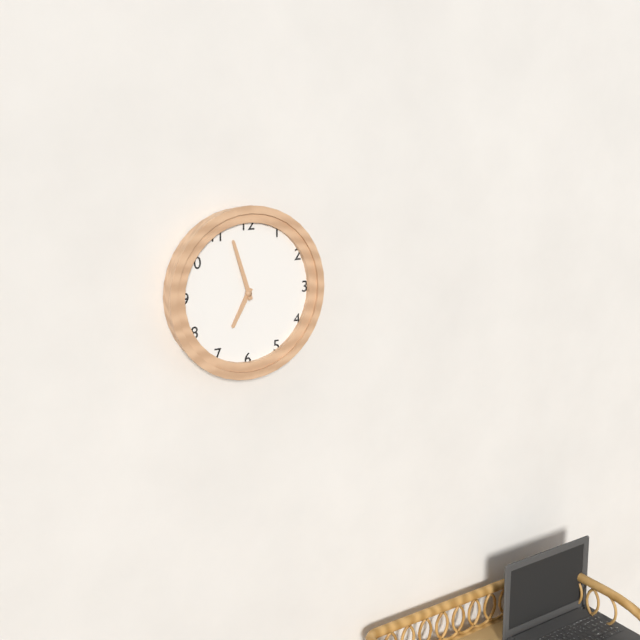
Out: 6h57
